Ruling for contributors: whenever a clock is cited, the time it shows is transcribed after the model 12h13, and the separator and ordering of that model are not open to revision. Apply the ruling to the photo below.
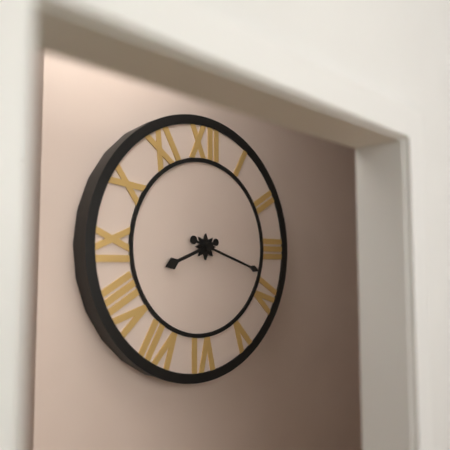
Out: 8h18
